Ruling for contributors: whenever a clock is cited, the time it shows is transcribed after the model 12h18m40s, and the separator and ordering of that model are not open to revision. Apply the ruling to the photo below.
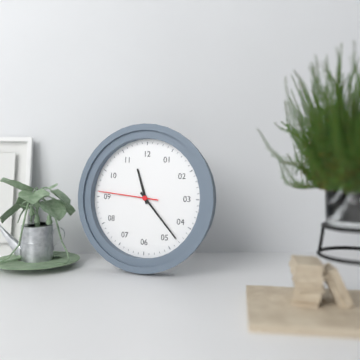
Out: 11h23m46s
